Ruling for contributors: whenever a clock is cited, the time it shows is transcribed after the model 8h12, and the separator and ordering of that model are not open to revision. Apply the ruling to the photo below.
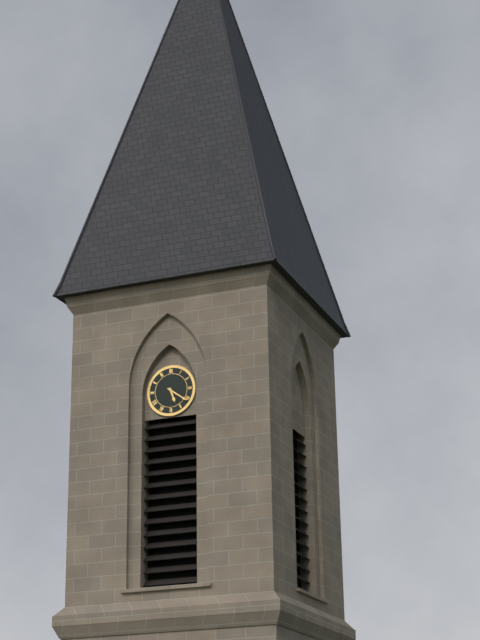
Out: 5h21
